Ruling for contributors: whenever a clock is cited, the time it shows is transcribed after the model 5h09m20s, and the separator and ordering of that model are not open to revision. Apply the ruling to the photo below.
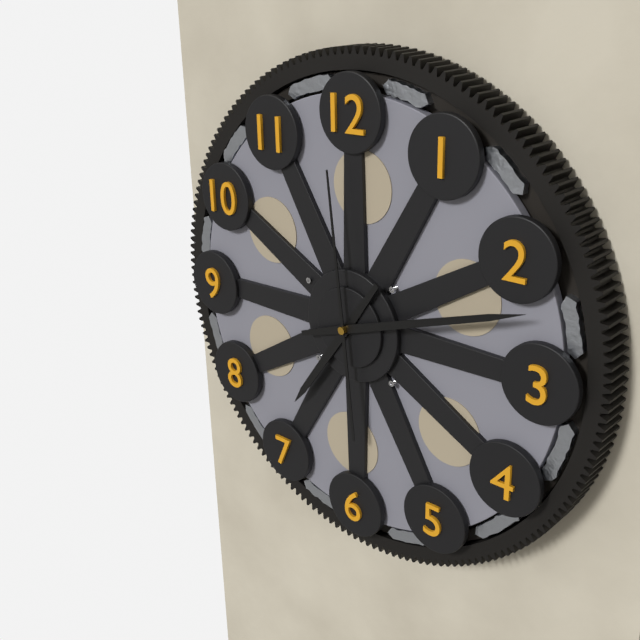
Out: 7h12m59s
